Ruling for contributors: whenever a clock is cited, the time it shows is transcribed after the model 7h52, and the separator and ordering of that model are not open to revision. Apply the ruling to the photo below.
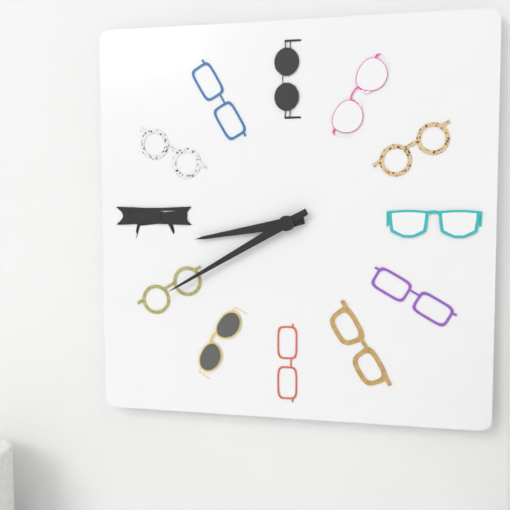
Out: 8h40
